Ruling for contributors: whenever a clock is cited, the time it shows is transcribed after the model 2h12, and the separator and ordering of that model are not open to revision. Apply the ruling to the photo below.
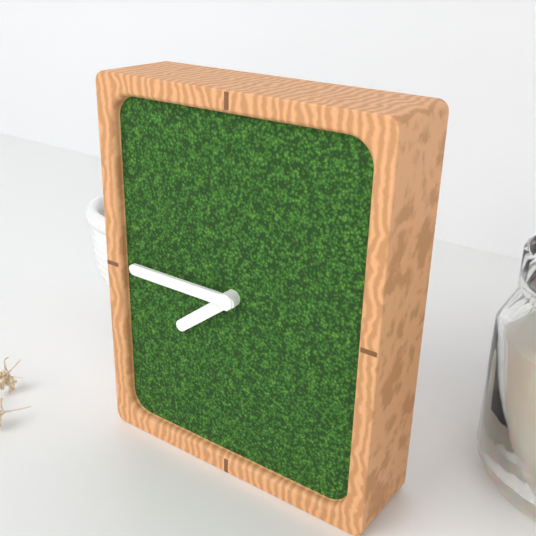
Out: 7h45
